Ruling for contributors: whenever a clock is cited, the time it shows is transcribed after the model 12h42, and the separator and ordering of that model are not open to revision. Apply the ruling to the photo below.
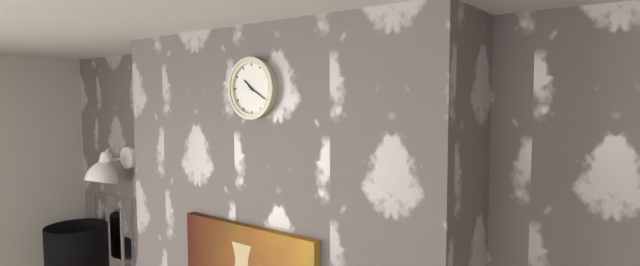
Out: 10h20
